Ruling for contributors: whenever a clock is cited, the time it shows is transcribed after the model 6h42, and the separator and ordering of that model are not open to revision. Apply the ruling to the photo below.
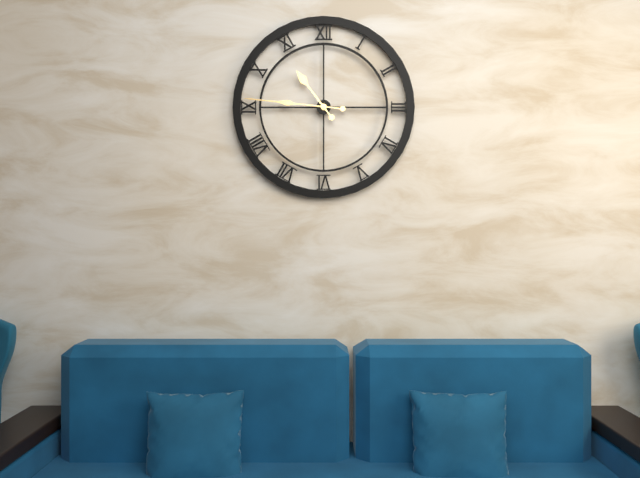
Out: 10h46
